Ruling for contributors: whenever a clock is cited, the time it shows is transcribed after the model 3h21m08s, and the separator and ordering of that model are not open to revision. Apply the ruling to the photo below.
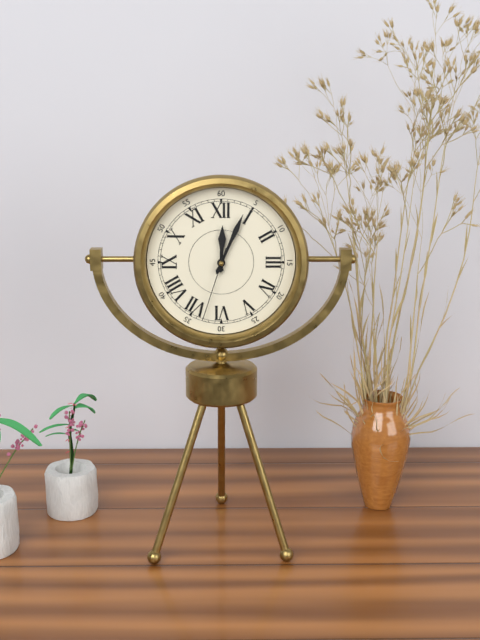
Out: 12h04m33s
